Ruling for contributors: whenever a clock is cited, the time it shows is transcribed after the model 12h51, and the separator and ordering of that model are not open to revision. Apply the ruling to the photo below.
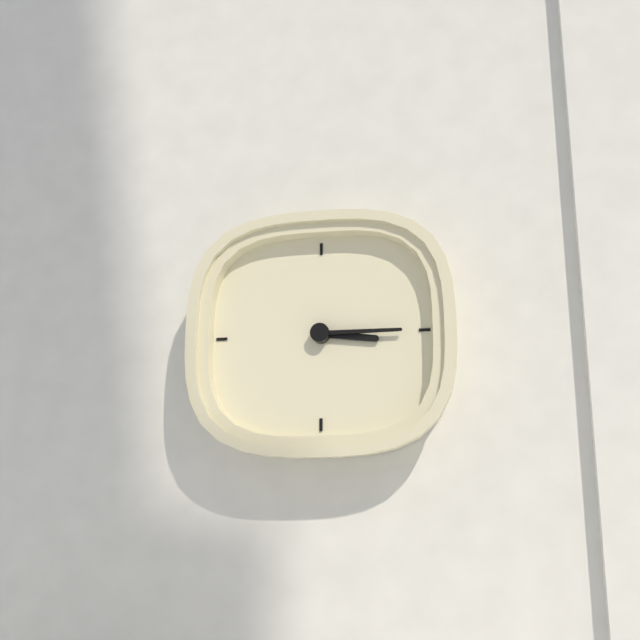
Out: 3h15
